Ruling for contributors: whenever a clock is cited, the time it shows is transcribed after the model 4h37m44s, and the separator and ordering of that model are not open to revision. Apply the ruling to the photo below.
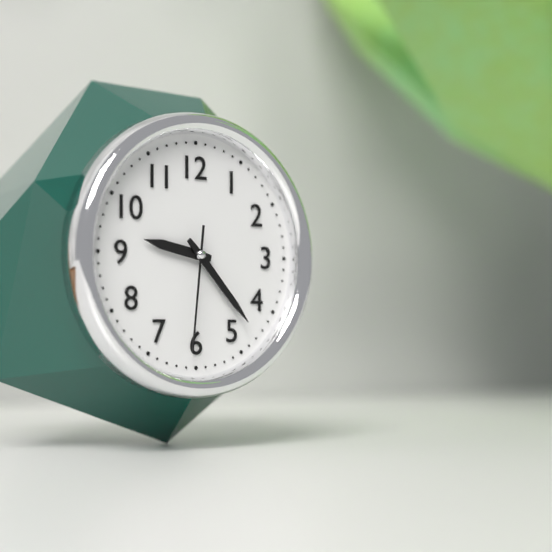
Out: 9h23m31s
